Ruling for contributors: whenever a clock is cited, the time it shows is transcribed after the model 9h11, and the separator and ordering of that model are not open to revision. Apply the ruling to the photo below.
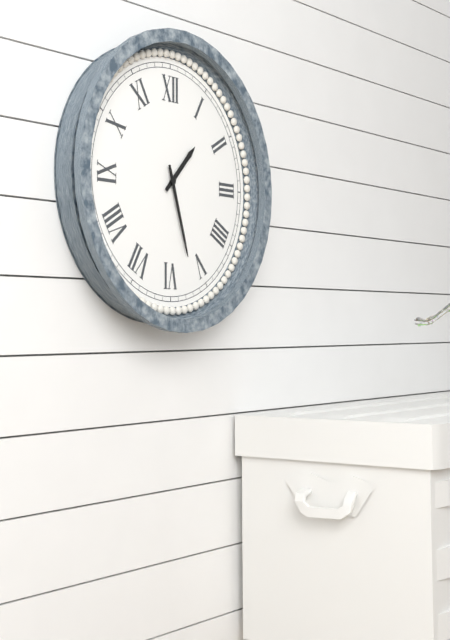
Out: 1h27
